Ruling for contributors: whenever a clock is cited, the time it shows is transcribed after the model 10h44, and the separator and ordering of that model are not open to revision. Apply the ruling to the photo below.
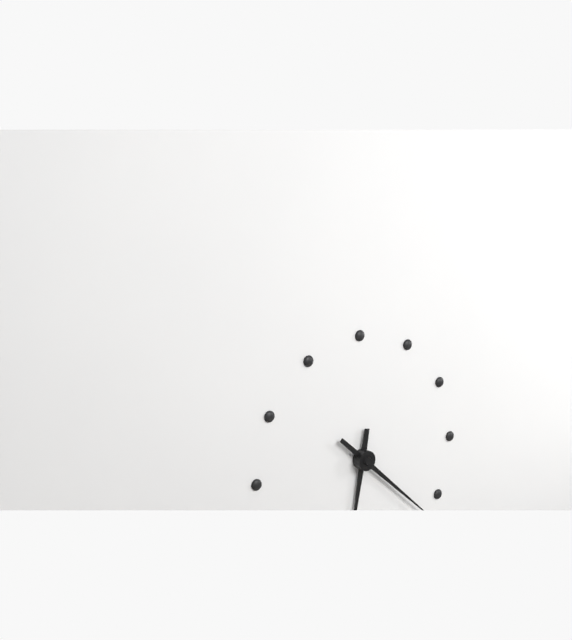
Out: 6h22
